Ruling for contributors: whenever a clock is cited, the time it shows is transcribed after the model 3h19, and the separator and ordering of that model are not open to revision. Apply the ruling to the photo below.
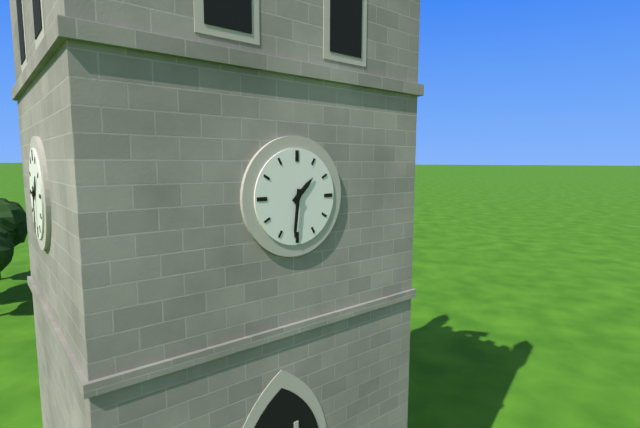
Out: 1h31
